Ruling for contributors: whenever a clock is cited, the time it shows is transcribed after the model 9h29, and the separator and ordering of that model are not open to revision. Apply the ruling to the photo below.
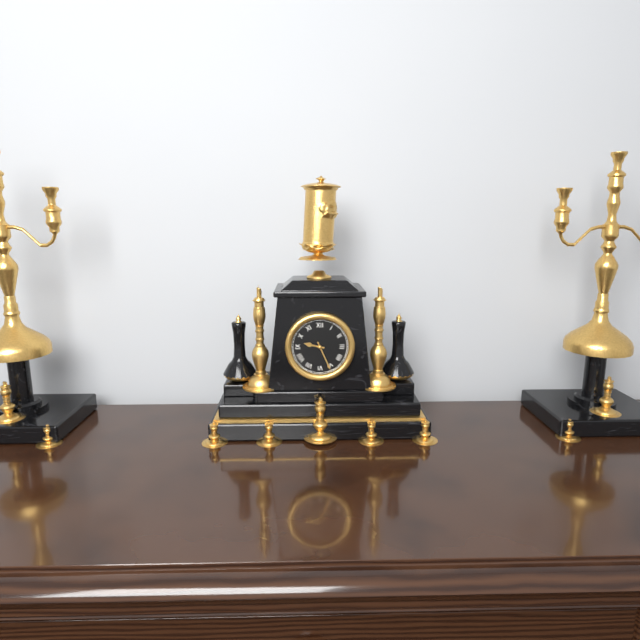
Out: 9h26
